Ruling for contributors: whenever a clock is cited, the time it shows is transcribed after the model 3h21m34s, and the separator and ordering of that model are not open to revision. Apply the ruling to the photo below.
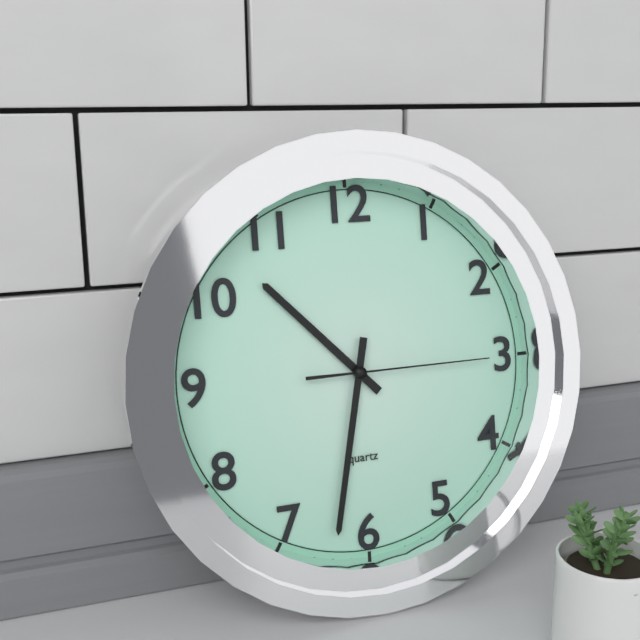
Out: 10h32m15s
